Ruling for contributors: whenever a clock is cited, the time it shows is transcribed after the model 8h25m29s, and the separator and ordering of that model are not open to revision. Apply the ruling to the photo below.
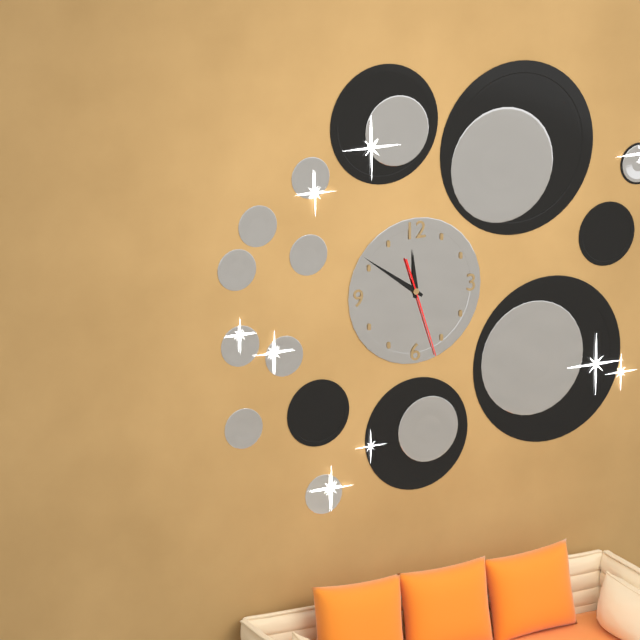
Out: 11h51m27s
